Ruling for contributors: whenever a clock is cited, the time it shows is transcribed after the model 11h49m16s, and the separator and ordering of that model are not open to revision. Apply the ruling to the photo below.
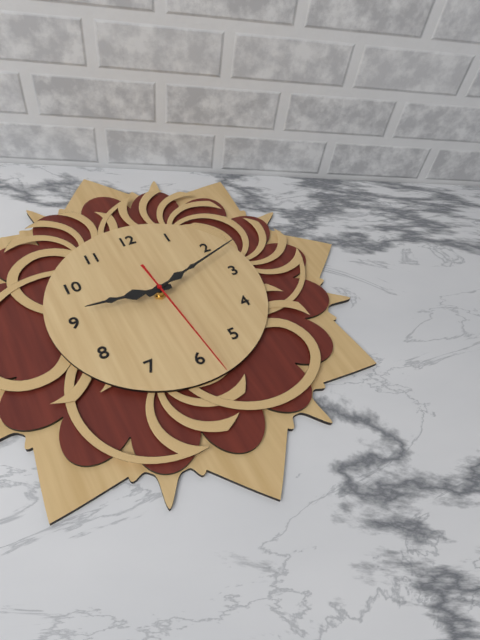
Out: 9h12m29s
